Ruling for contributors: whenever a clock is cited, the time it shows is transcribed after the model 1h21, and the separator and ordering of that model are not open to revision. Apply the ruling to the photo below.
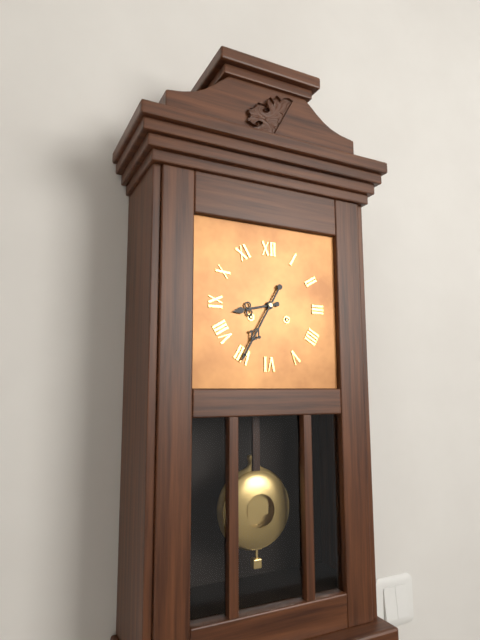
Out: 8h35
